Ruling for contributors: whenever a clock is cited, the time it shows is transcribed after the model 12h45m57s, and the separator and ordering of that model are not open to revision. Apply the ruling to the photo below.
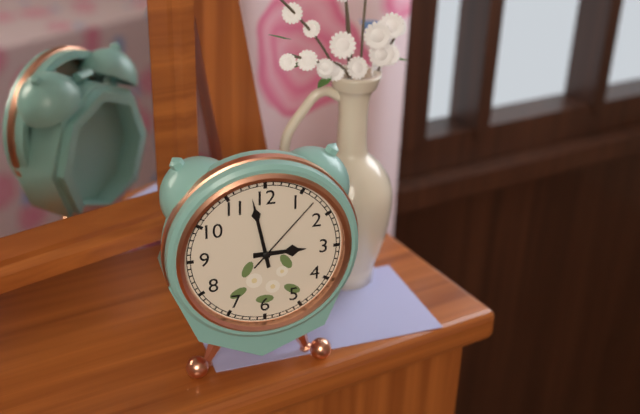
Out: 2h58m07s
